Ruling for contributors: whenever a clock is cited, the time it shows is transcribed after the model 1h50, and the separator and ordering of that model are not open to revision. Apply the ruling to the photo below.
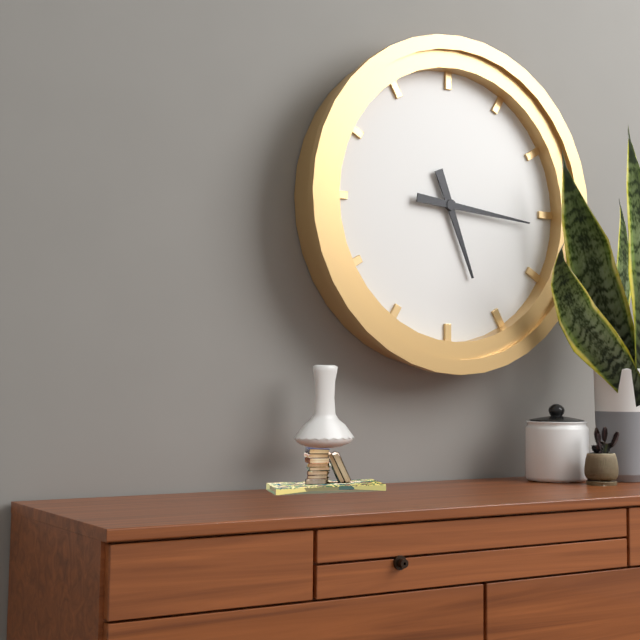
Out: 5h16
